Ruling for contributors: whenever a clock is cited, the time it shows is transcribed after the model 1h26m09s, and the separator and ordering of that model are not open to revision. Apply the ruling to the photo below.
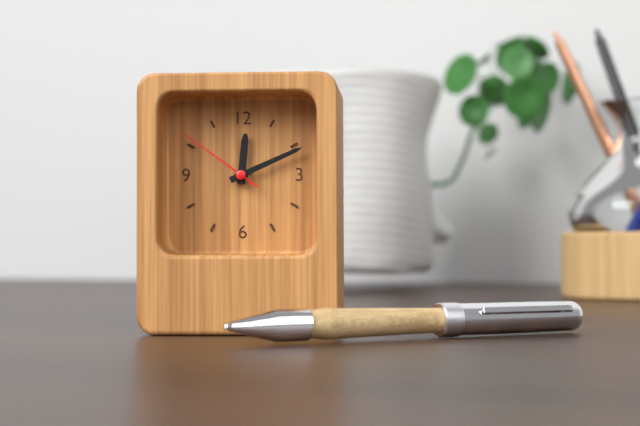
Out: 12h11m51s
